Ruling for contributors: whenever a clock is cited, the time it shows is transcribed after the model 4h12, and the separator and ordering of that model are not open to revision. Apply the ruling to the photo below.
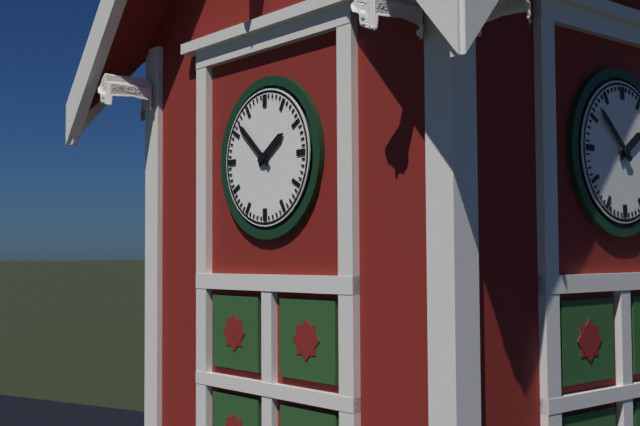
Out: 1h52
